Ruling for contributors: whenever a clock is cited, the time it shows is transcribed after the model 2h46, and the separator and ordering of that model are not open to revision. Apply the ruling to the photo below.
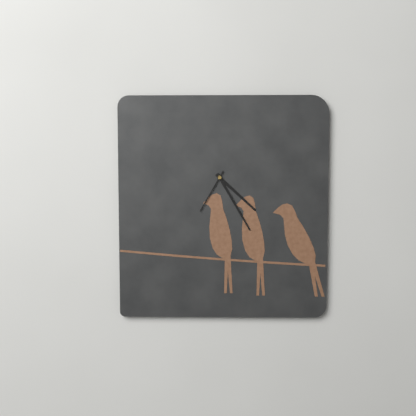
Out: 4h25
